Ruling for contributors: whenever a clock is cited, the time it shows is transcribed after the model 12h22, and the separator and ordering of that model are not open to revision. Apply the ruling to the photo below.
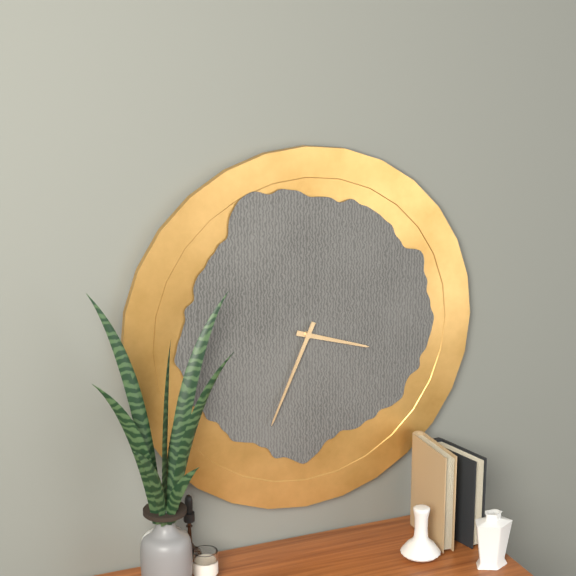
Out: 3h34
